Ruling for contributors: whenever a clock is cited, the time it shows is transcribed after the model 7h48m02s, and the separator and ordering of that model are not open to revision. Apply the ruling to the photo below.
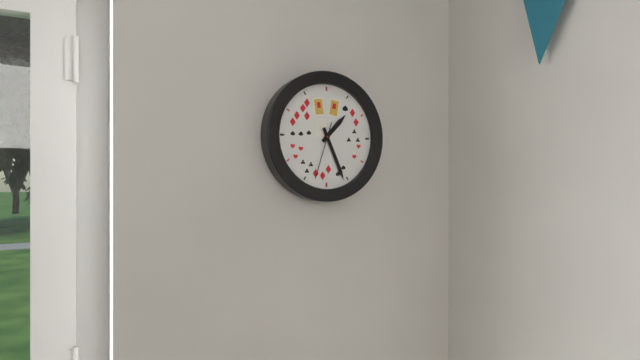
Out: 1h26m33s
